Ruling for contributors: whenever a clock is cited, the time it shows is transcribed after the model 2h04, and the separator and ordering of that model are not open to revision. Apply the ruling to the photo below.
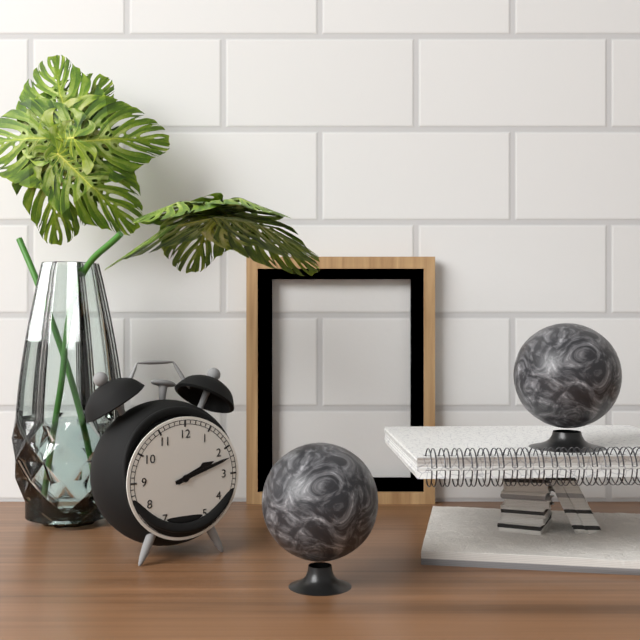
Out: 2h12
